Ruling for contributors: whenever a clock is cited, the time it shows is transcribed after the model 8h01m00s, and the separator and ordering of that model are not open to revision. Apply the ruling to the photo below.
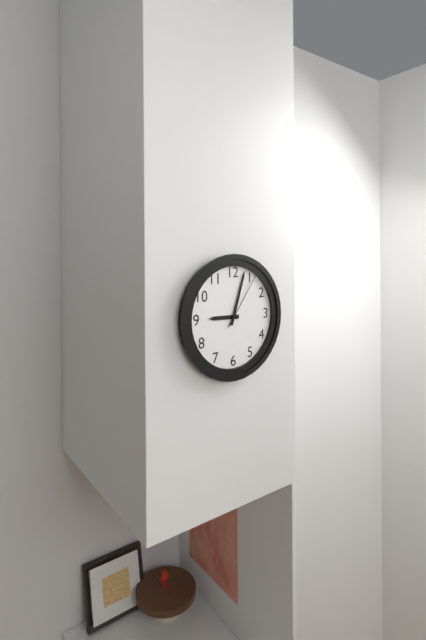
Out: 9h03m06s
